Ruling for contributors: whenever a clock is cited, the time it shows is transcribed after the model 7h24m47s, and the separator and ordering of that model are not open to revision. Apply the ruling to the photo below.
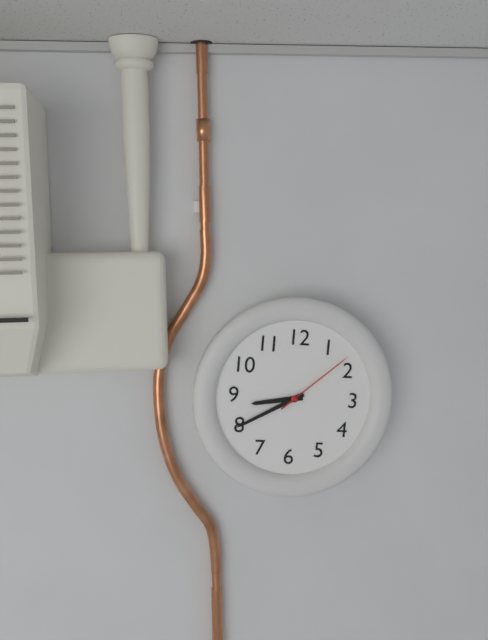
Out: 8h40m08s
